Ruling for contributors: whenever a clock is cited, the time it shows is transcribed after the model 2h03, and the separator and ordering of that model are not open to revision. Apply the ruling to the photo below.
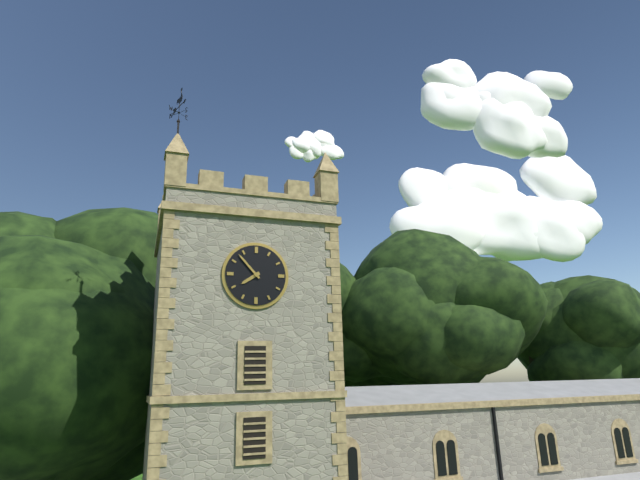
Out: 7h53
